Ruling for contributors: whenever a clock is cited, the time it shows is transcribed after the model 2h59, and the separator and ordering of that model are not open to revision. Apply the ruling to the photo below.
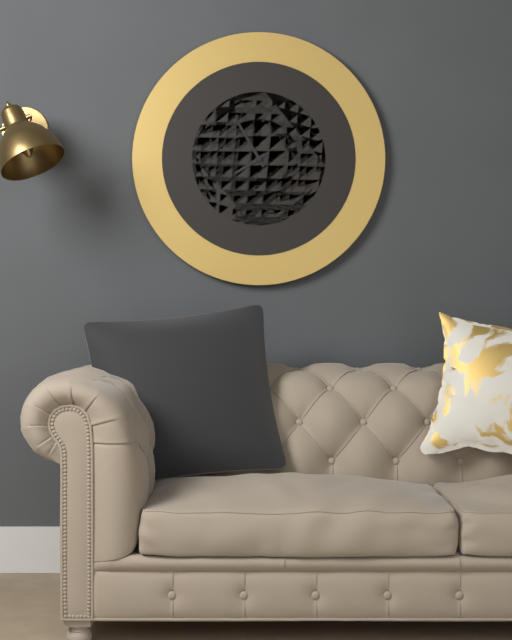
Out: 7h55
